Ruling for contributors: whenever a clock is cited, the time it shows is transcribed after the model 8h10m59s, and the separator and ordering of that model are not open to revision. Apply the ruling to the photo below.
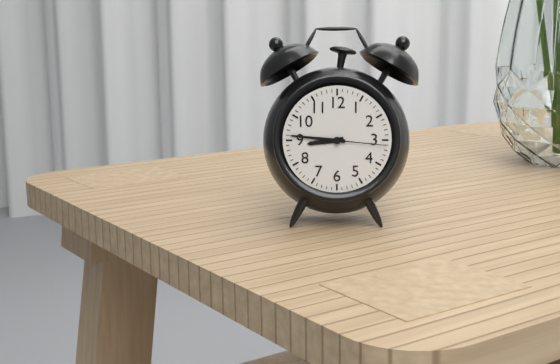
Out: 8h46m16s
